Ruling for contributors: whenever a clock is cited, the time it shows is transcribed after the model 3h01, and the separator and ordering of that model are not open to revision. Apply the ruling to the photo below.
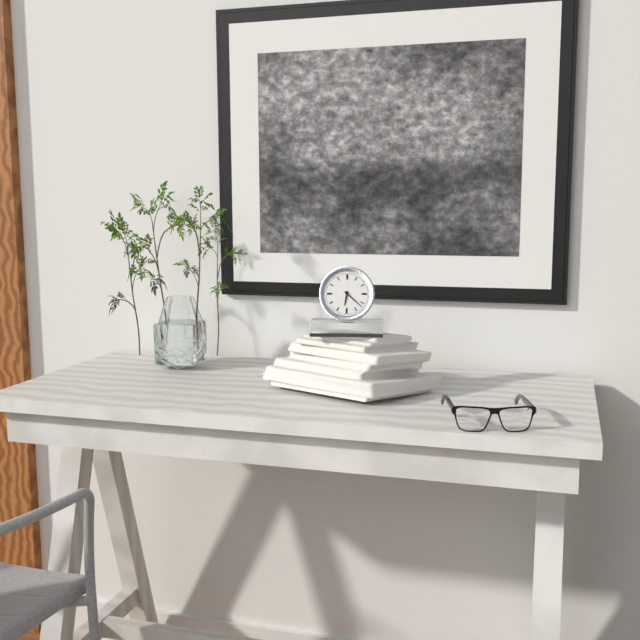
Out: 6h22
